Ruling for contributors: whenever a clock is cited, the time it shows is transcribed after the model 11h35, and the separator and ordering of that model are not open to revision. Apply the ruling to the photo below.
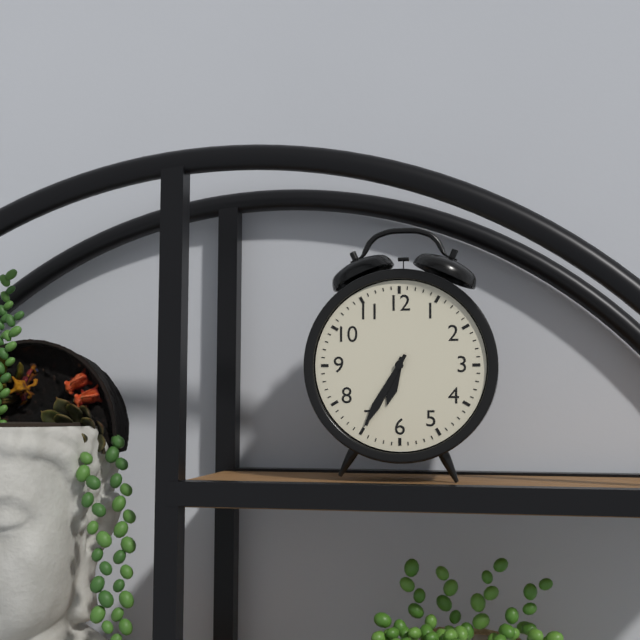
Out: 6h35
